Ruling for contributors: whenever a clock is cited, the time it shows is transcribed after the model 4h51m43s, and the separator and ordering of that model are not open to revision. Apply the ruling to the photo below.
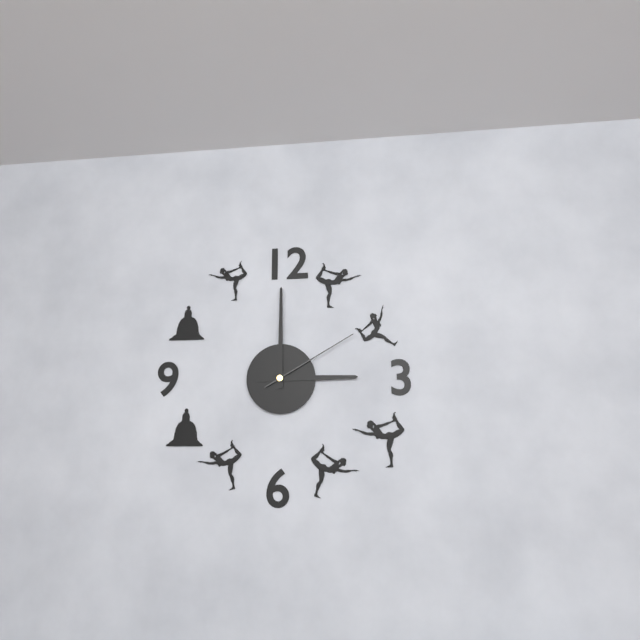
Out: 3h00m10s
